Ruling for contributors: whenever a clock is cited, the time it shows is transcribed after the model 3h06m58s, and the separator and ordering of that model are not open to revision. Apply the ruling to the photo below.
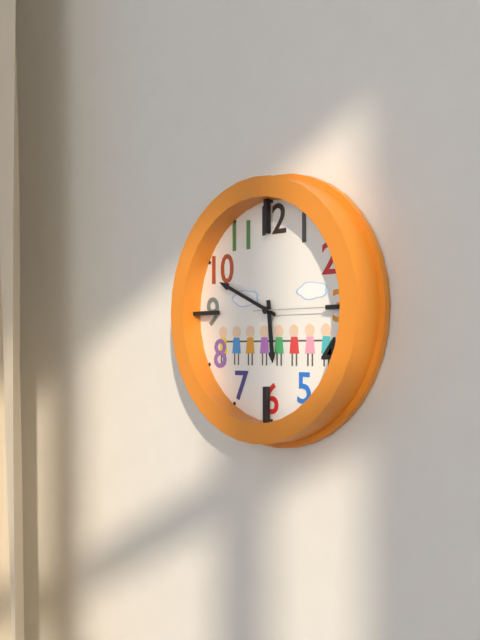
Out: 5h49m15s
